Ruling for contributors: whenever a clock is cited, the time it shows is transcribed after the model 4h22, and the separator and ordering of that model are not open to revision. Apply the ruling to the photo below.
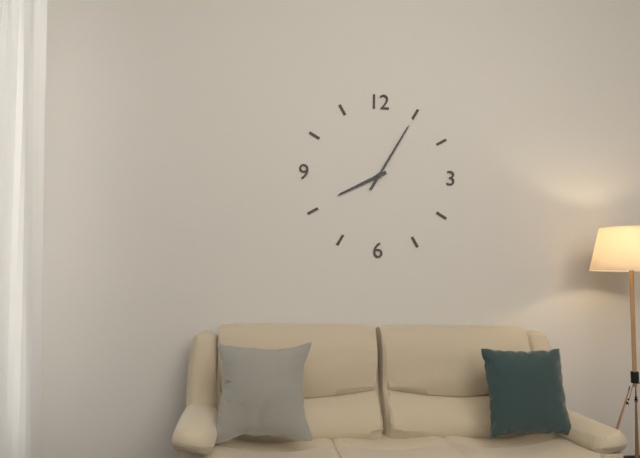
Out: 8h05
